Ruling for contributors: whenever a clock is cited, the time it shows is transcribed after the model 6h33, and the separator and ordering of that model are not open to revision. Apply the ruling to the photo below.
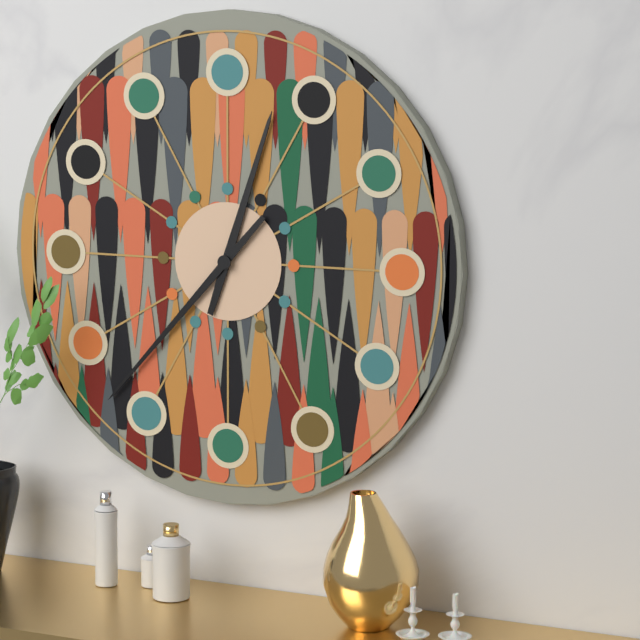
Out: 12h37
